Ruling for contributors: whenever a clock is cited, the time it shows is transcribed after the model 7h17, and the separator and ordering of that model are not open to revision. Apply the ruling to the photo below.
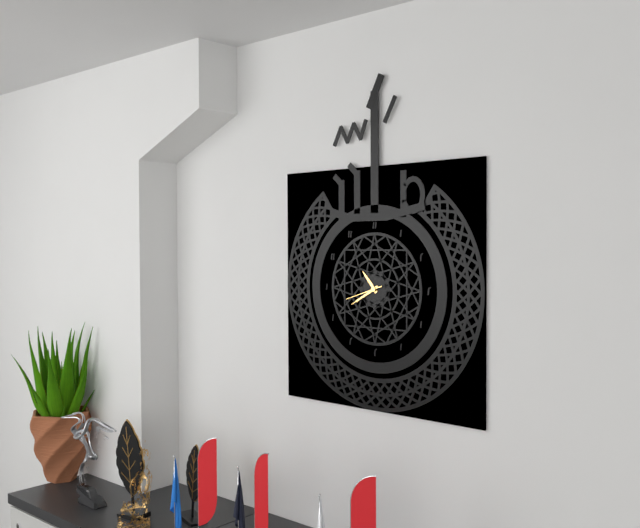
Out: 10h40
